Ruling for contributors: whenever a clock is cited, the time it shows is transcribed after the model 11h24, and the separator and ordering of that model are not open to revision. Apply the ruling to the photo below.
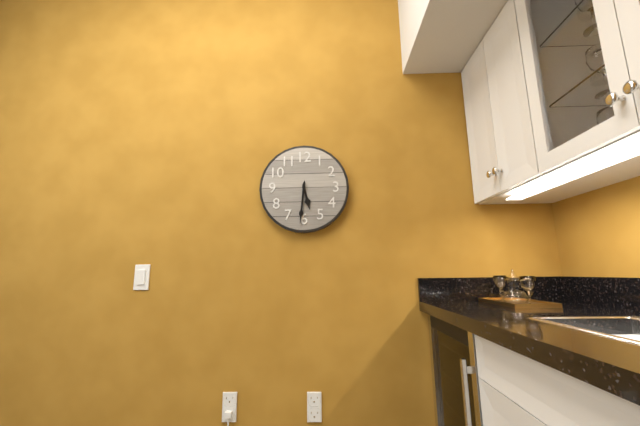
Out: 5h31
